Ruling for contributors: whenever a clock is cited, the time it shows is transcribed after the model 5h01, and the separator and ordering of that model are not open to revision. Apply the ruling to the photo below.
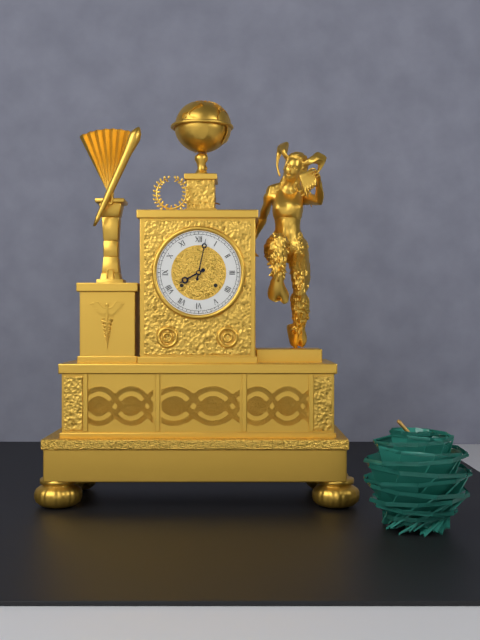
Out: 8h02
